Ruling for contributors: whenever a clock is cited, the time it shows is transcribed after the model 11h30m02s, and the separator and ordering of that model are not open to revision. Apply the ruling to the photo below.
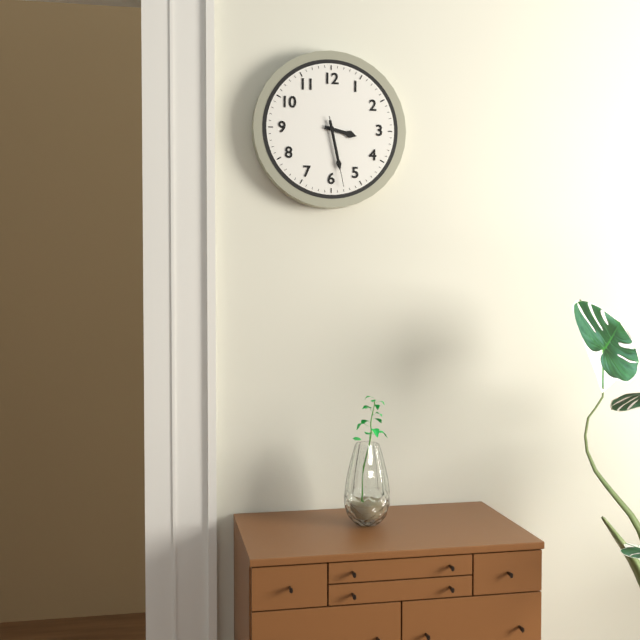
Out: 3h28m28s
